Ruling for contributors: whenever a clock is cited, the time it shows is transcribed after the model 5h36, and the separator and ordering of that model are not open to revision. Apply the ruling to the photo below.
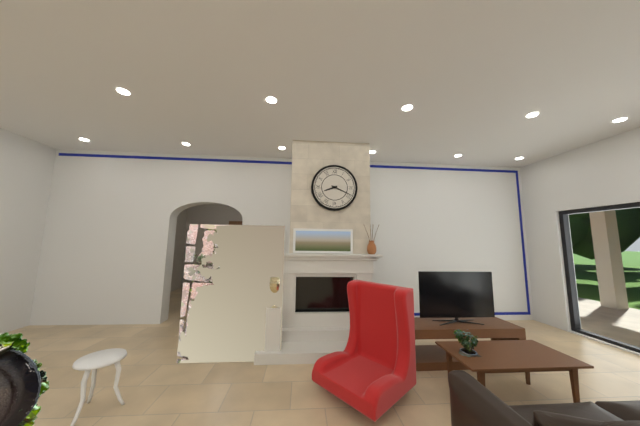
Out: 8h19
